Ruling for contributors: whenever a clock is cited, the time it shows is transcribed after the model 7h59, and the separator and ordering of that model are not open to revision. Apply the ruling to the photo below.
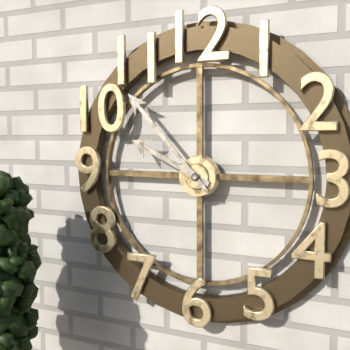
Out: 9h53
